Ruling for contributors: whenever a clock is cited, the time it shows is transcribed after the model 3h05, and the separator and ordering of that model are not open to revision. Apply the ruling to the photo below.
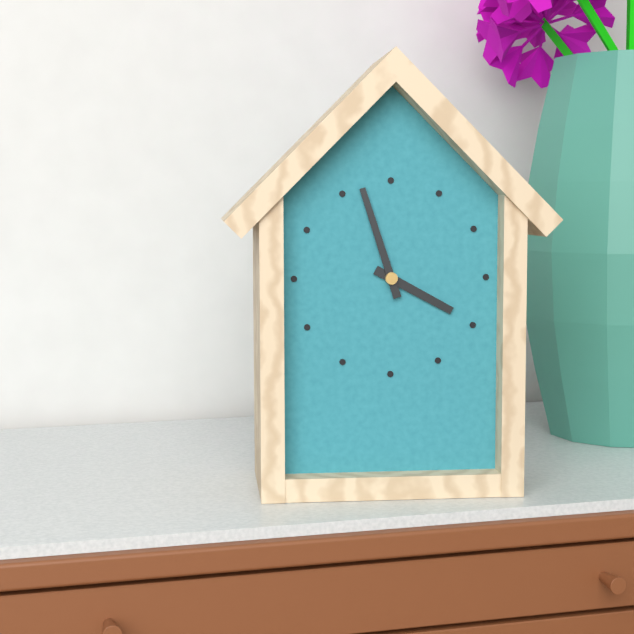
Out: 3h57
